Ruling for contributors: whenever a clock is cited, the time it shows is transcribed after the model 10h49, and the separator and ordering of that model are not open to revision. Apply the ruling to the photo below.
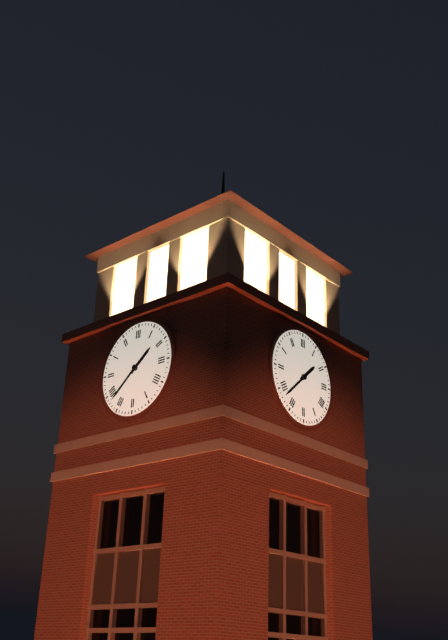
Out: 1h38
